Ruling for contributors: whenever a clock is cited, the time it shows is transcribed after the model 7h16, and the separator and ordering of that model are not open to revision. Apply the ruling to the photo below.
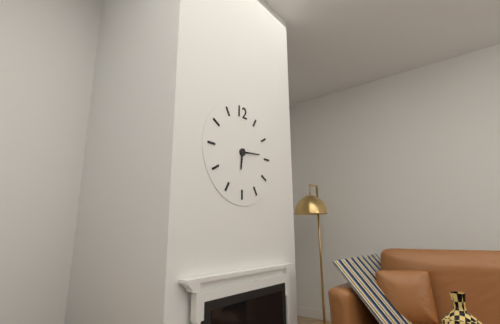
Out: 6h14
